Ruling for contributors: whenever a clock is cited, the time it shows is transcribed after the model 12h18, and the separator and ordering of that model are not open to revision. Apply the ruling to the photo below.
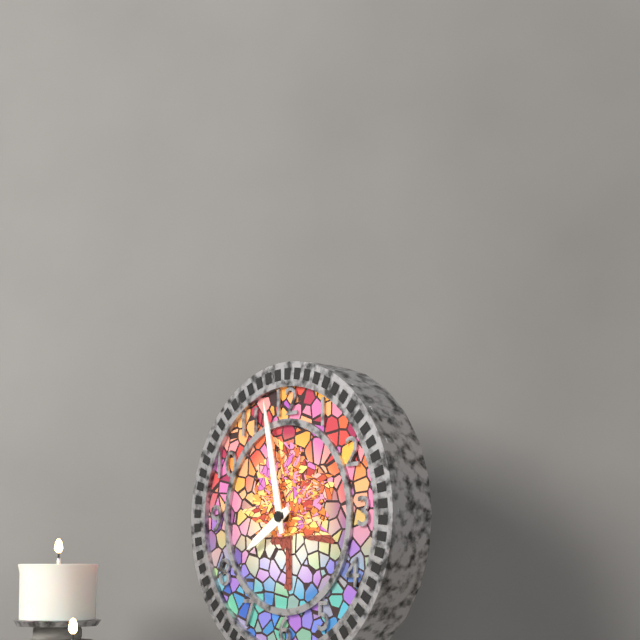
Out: 7h58
